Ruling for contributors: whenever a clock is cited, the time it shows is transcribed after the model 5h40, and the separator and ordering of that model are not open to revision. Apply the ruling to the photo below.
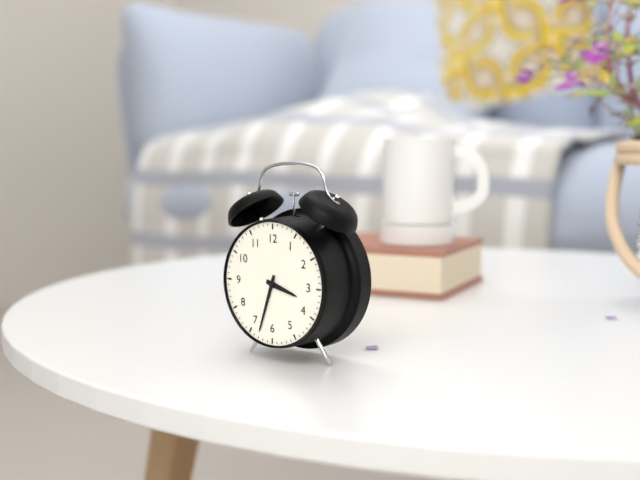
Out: 3h33
